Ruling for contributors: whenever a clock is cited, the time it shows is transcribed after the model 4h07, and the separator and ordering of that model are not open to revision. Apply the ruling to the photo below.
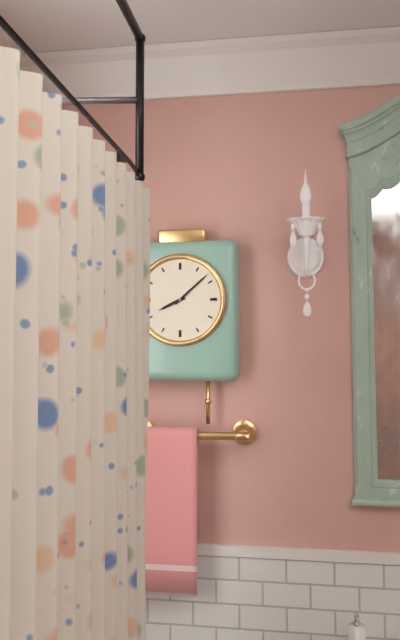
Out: 8h08
